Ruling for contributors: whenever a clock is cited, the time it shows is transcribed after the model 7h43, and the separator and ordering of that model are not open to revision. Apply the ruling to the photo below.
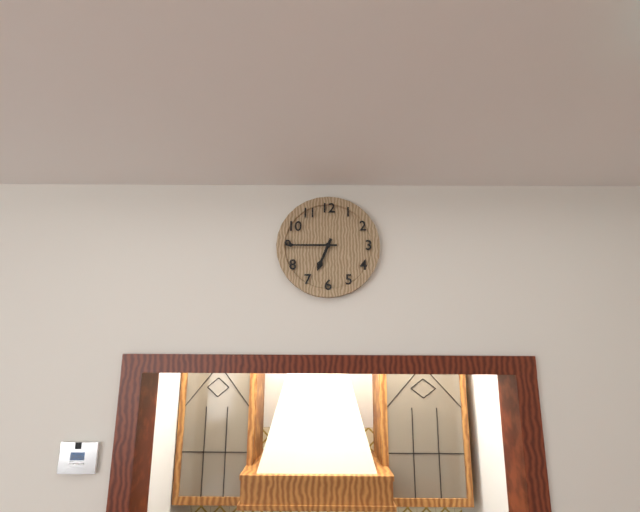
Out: 6h45
